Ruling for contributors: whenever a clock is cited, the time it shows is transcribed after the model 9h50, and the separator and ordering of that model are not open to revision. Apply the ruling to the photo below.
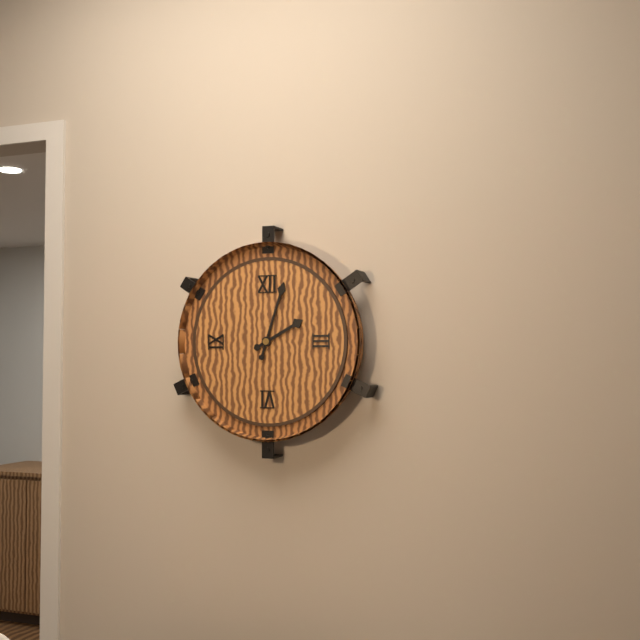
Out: 2h03
